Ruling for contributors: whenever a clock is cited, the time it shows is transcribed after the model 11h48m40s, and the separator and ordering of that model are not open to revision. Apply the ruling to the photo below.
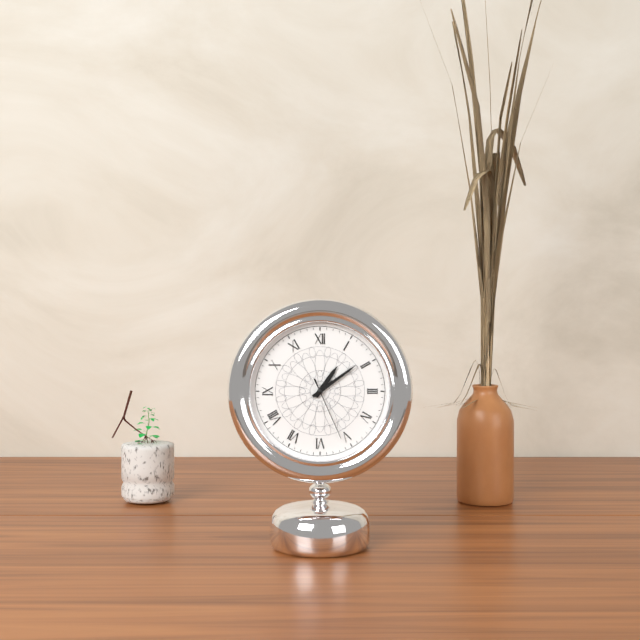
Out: 1h09m26s
